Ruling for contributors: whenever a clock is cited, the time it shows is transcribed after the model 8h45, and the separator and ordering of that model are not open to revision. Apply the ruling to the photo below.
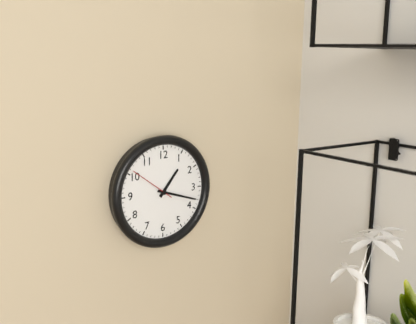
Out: 1h18
